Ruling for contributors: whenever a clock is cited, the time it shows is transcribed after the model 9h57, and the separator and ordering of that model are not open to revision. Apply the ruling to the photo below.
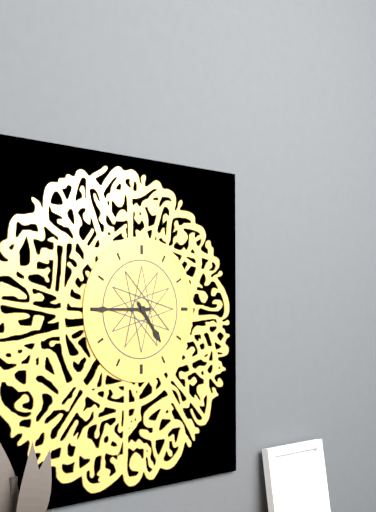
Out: 4h45
